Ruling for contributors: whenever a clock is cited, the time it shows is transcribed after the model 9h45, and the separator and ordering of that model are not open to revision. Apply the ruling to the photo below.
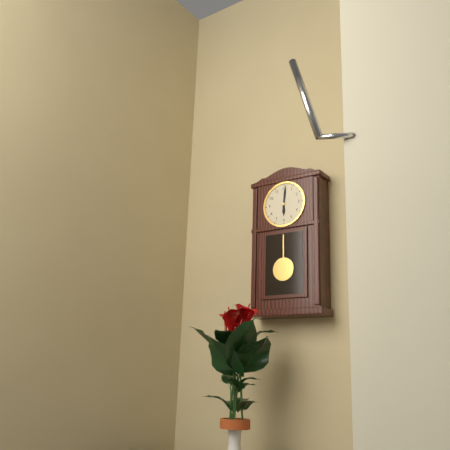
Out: 6h01
